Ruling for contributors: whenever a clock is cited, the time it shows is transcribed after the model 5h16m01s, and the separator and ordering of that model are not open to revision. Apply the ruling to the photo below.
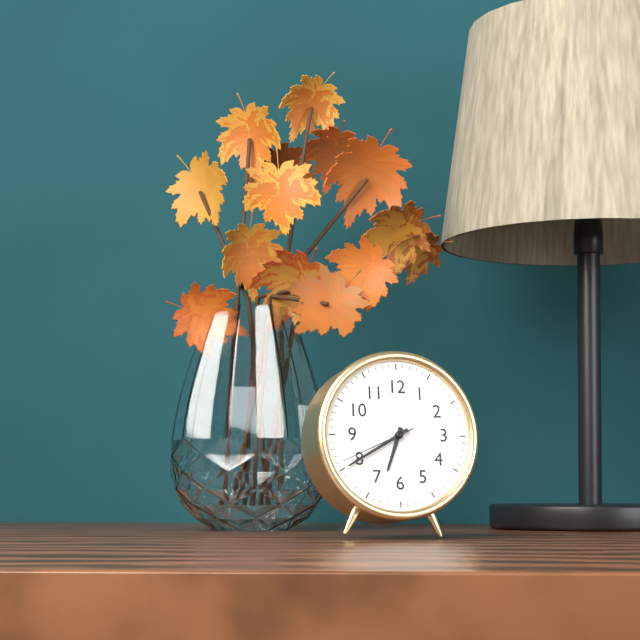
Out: 6h40m41s
